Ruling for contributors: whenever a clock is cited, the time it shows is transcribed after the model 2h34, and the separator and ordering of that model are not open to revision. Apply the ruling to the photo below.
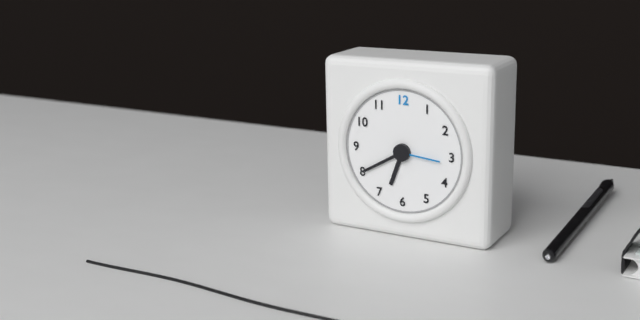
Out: 6h40
